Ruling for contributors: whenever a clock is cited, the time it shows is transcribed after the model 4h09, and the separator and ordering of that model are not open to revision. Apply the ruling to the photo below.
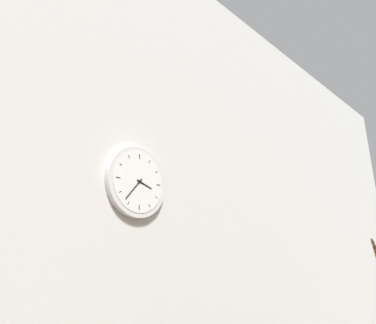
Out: 3h37
